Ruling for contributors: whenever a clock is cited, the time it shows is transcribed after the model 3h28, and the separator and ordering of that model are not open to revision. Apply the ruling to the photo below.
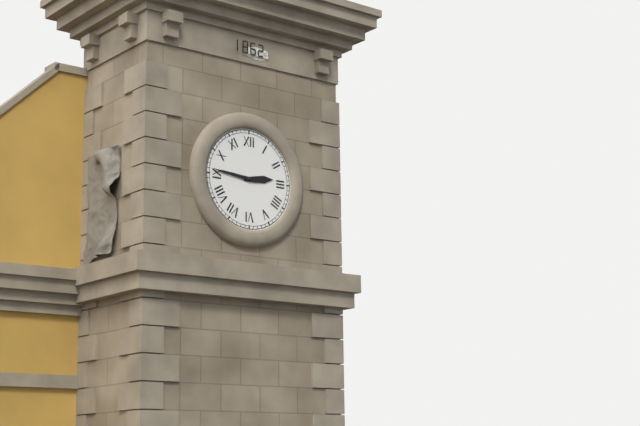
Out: 2h46
